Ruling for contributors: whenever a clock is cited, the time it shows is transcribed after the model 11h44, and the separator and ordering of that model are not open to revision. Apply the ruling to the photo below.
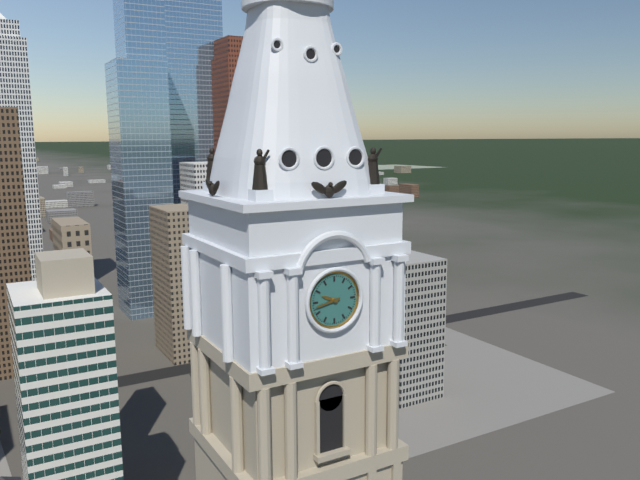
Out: 9h43
